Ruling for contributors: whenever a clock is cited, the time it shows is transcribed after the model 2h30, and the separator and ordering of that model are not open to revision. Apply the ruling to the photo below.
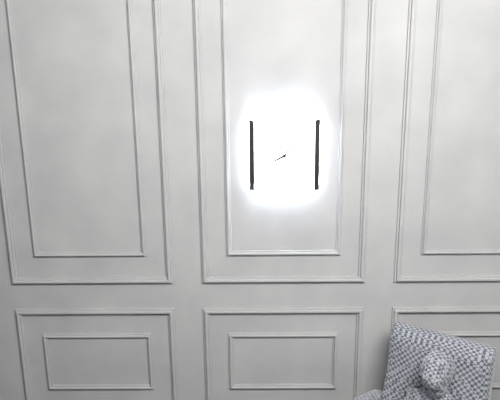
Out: 8h06
